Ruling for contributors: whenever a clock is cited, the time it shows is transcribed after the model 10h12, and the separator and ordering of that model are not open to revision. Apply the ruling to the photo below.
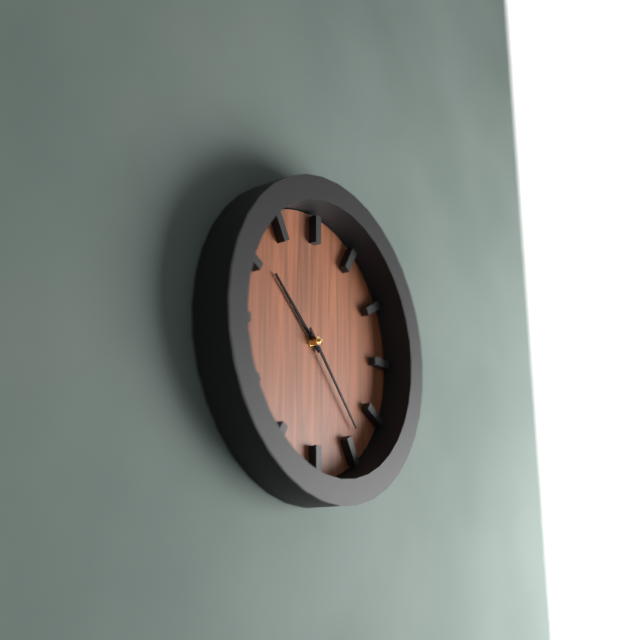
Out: 10h23
